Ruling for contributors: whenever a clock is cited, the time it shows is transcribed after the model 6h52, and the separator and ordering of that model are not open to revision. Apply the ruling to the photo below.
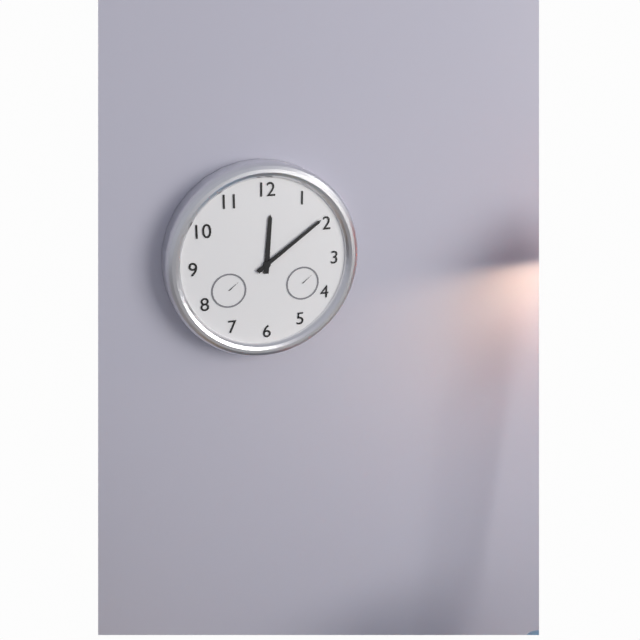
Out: 12h09
